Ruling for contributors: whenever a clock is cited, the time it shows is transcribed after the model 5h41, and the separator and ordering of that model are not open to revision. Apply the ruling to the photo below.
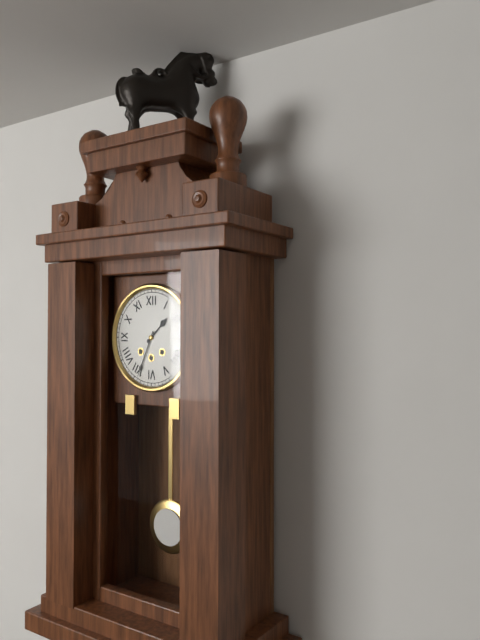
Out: 1h34
